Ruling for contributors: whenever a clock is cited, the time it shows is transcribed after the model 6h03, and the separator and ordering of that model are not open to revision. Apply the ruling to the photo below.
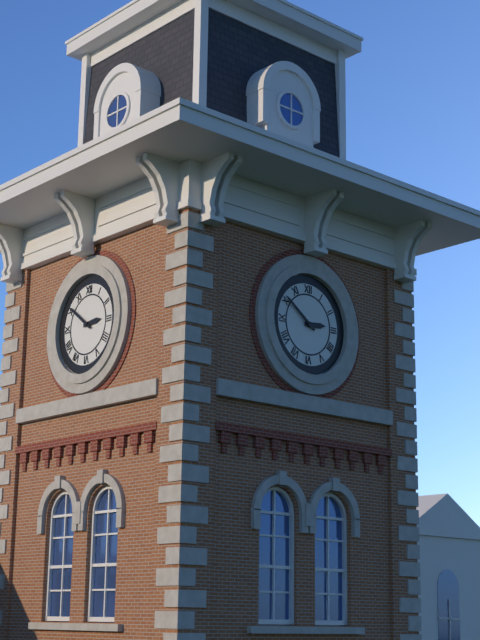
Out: 2h51
